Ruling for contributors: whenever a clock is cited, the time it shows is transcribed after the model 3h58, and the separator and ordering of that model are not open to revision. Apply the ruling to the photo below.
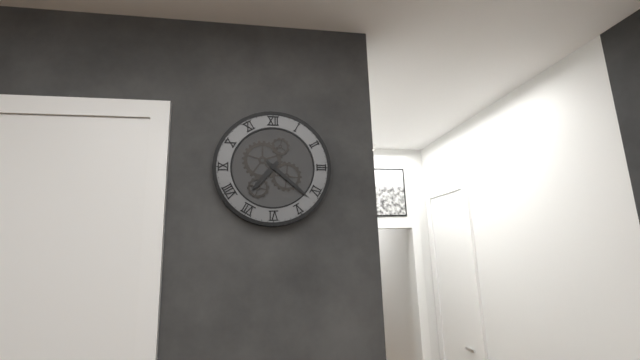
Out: 7h22
